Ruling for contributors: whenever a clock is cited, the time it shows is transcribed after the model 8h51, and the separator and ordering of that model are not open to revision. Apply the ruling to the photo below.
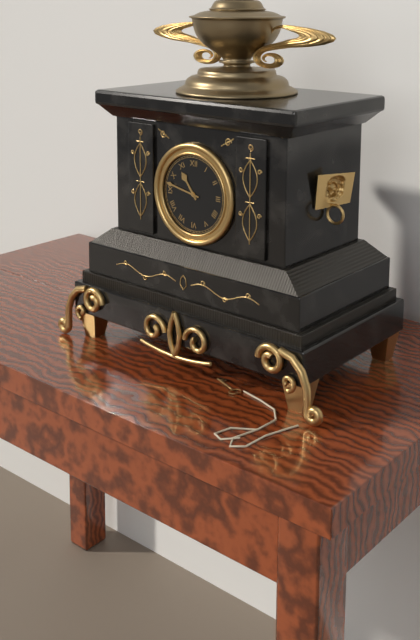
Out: 10h47
